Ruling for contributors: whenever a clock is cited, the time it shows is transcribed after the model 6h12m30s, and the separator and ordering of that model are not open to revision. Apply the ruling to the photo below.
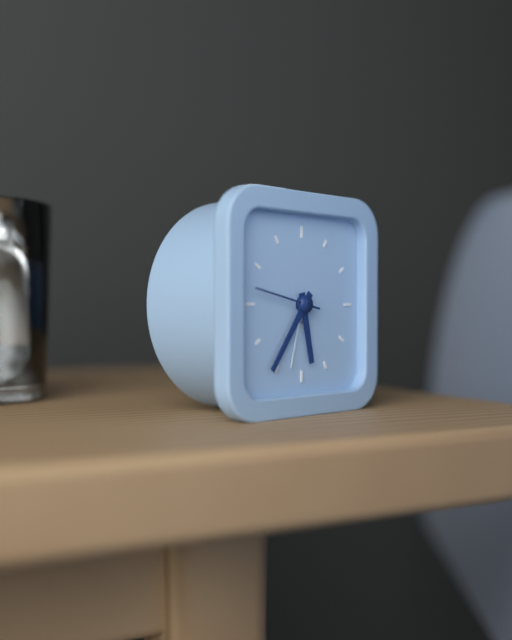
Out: 5h36m47s
